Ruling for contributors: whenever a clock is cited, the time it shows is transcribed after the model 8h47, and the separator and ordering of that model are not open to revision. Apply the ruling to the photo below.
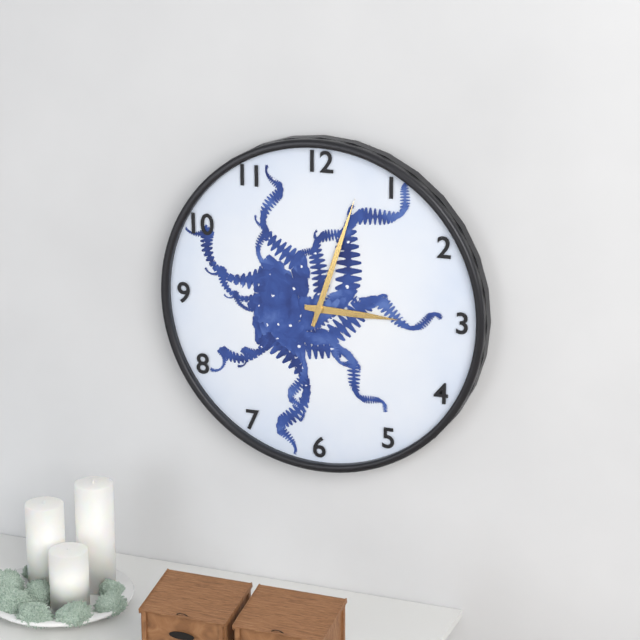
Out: 3h03
